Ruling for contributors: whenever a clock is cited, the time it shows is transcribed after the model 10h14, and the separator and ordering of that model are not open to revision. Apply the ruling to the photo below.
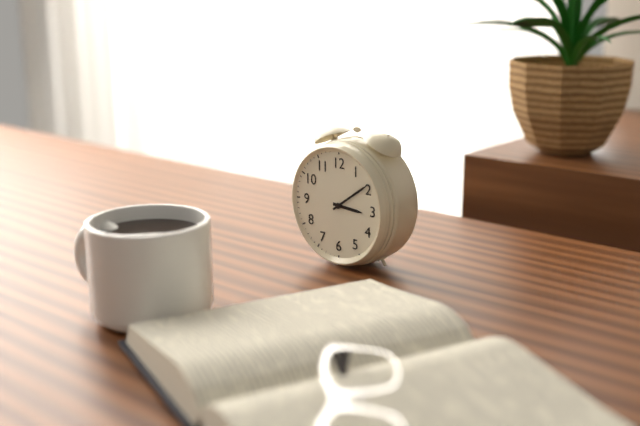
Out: 3h09
